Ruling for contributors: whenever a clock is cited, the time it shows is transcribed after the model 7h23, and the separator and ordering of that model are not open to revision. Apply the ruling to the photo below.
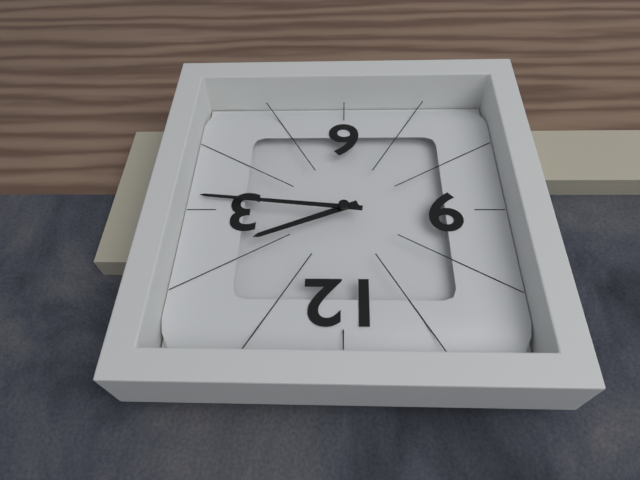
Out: 2h16
